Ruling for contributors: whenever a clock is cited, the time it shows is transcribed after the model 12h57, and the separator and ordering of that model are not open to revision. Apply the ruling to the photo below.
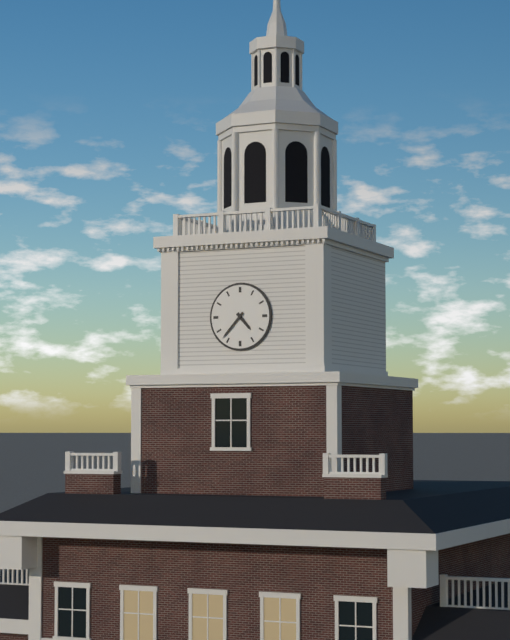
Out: 4h37
